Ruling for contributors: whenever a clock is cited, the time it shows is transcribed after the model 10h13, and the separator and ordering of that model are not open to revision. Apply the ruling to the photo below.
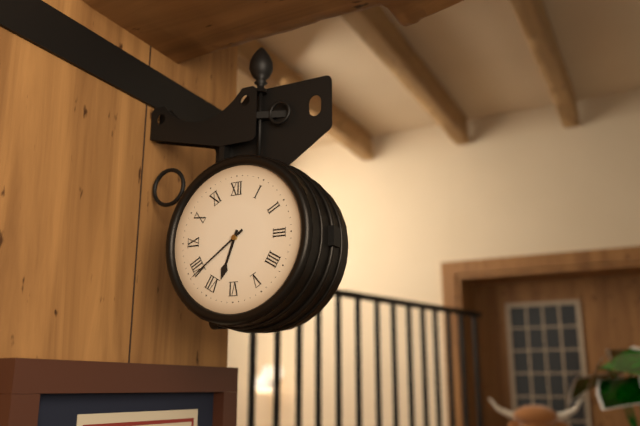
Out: 6h39
